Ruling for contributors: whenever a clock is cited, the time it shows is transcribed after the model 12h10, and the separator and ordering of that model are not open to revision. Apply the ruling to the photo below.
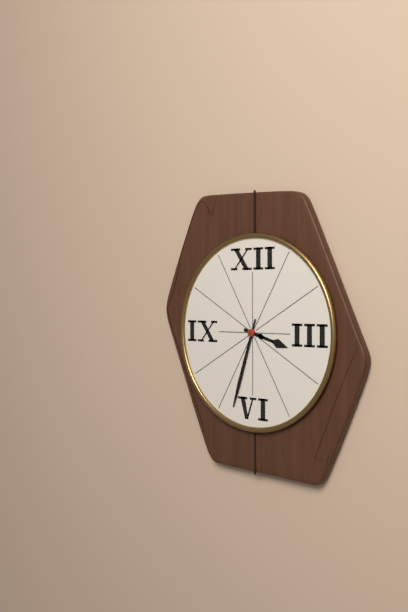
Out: 3h33
